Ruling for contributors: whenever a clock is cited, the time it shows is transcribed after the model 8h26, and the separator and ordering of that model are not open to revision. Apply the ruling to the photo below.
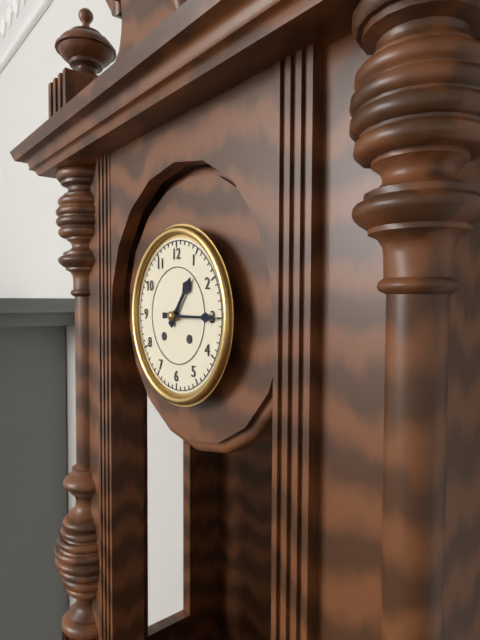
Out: 1h15
